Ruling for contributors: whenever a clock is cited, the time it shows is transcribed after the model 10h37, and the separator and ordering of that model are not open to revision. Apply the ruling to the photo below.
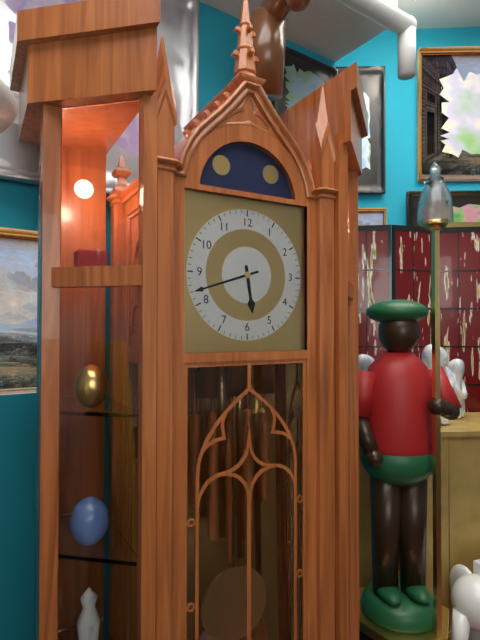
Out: 5h42
